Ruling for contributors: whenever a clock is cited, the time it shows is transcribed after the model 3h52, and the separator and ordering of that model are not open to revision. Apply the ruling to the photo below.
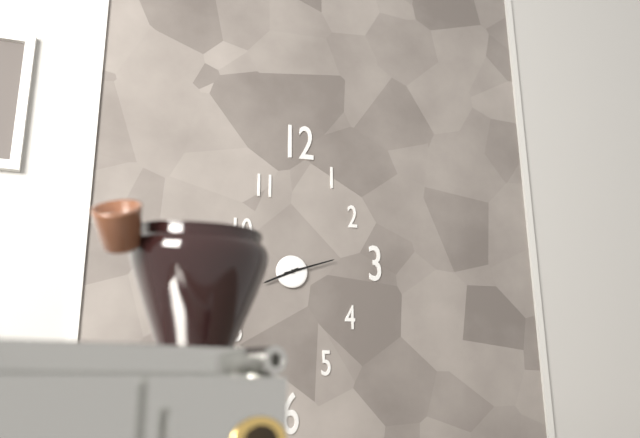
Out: 8h12
